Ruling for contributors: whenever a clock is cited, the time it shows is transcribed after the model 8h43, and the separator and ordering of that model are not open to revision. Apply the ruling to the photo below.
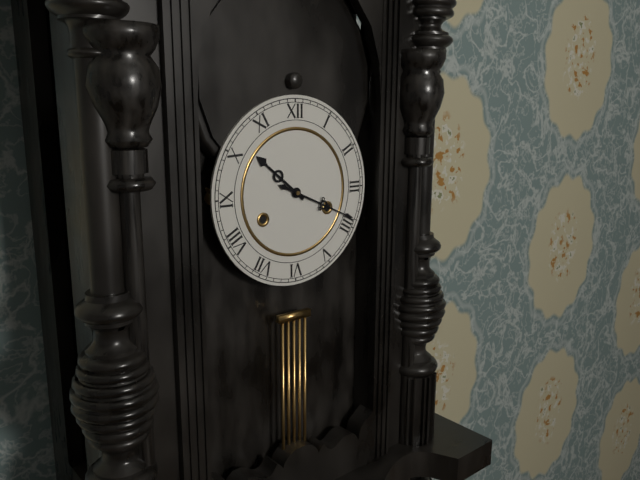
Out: 10h19
